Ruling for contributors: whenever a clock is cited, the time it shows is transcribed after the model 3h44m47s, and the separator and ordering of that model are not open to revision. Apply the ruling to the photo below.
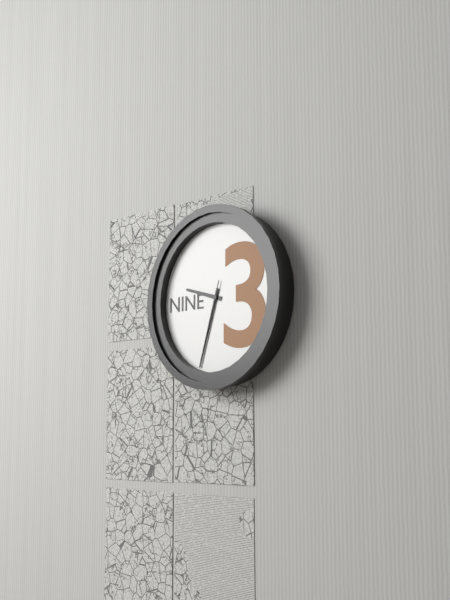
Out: 9h33m33s
